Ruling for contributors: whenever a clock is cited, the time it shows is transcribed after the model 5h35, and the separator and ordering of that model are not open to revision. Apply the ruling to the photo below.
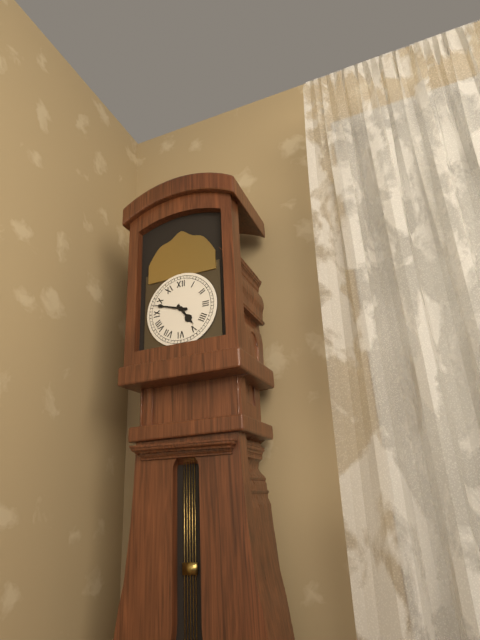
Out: 4h48
